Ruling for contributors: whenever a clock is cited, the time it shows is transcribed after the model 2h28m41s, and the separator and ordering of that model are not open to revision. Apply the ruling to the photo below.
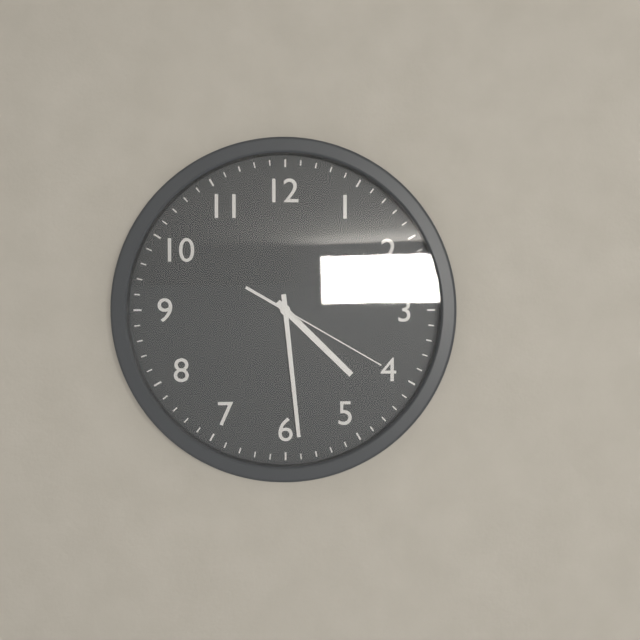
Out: 4h29m20s
